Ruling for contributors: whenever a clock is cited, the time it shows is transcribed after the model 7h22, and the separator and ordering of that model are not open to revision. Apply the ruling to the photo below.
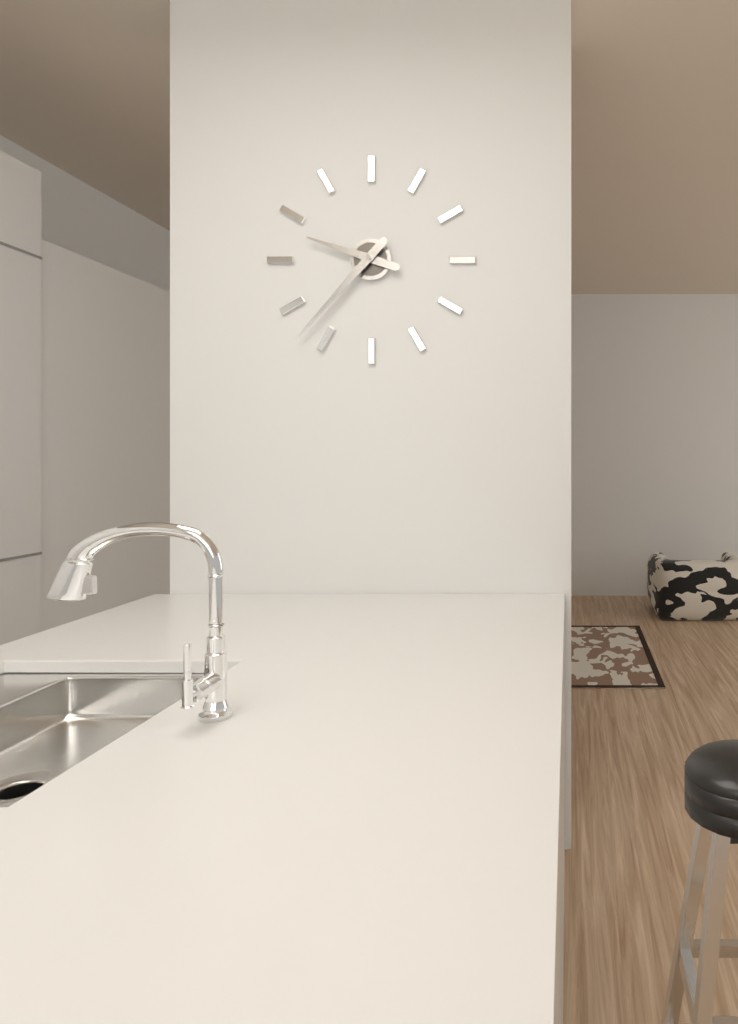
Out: 9h37
